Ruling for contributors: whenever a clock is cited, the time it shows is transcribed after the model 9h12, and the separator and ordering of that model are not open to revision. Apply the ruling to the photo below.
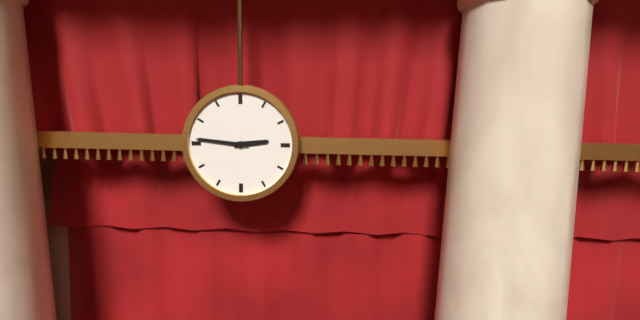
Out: 2h46
